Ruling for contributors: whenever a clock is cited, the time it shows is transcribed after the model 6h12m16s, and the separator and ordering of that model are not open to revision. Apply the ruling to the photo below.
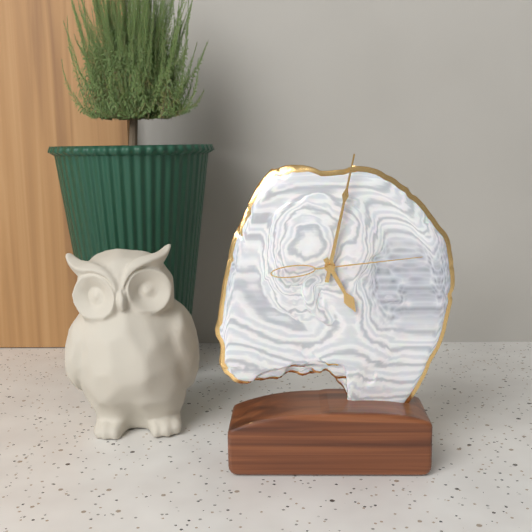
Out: 5h02m14s
